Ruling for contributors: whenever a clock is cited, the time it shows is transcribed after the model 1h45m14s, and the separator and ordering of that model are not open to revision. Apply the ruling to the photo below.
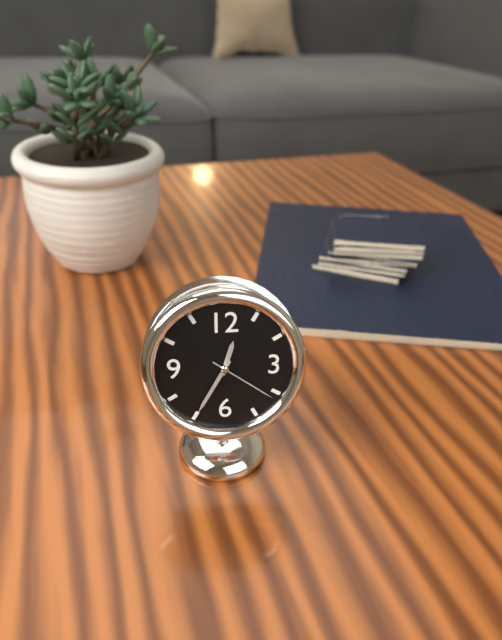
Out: 12h35m21s
